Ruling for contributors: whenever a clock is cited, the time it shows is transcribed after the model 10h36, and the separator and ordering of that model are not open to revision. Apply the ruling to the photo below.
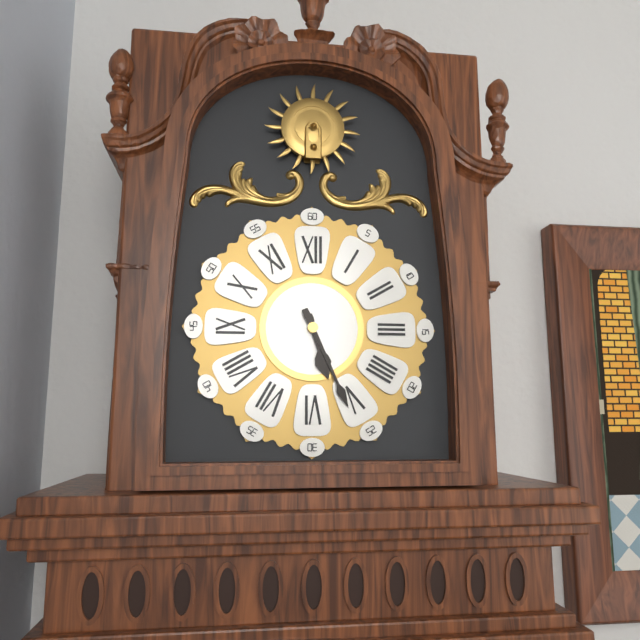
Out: 5h26
